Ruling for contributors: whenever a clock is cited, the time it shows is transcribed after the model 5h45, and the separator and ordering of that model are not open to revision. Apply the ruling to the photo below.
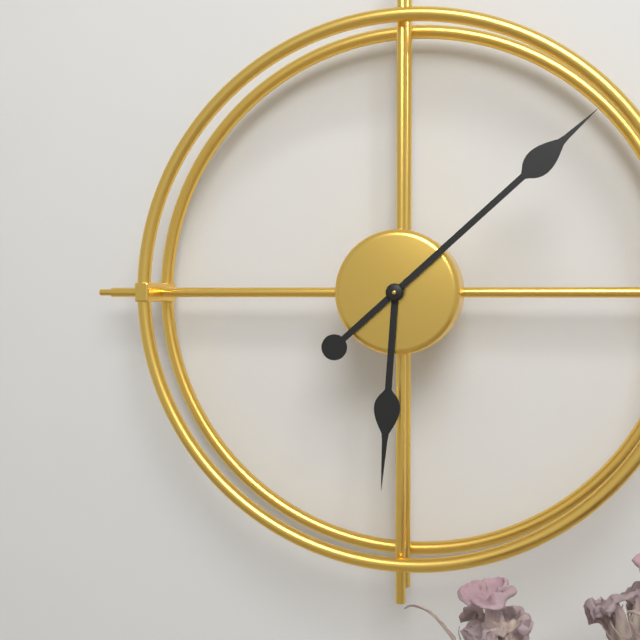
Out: 6h08
